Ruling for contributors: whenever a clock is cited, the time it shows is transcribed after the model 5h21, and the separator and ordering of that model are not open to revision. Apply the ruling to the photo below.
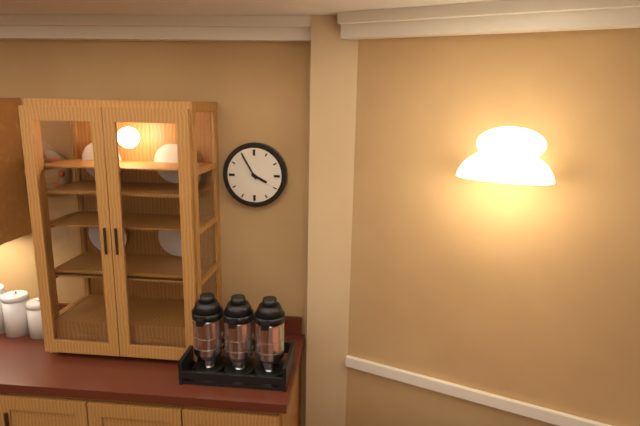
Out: 3h55
